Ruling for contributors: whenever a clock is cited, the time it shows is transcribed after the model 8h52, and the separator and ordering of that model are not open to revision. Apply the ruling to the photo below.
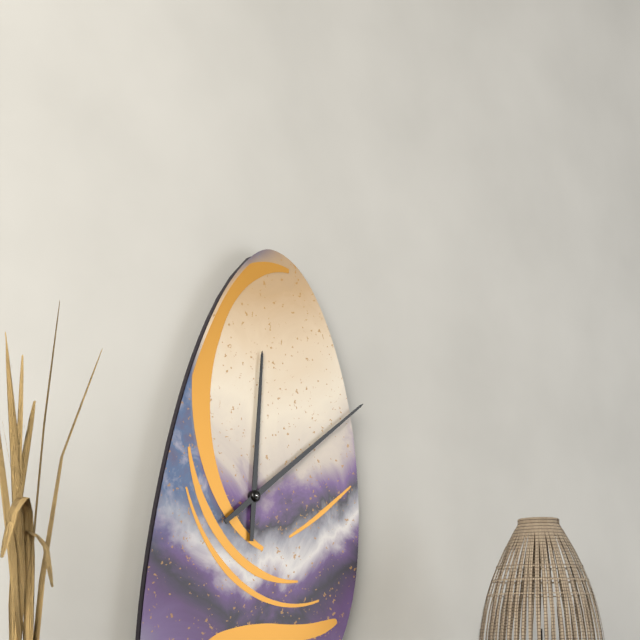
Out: 12h09
